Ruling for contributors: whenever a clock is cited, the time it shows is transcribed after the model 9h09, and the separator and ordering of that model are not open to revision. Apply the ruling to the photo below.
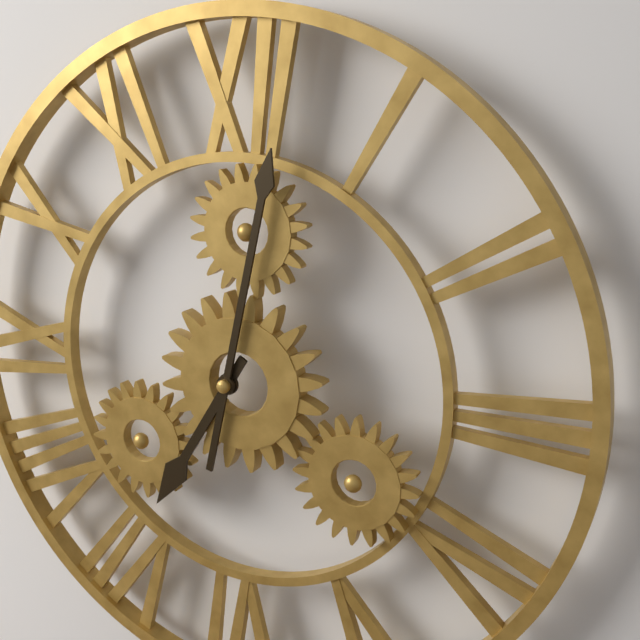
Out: 7h02
